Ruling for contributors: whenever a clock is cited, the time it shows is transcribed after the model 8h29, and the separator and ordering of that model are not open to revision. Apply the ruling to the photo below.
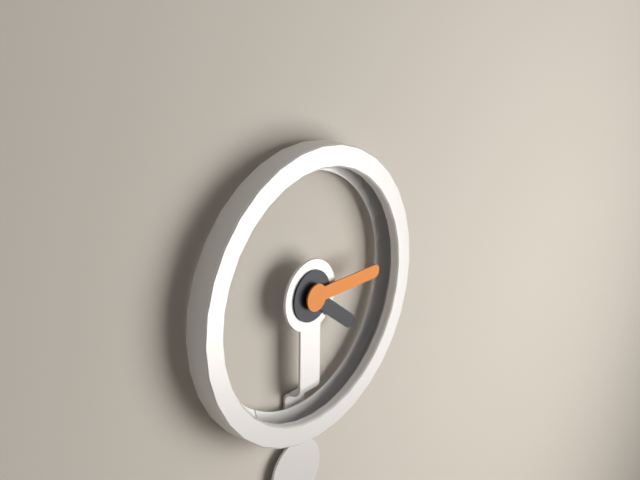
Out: 4h15
